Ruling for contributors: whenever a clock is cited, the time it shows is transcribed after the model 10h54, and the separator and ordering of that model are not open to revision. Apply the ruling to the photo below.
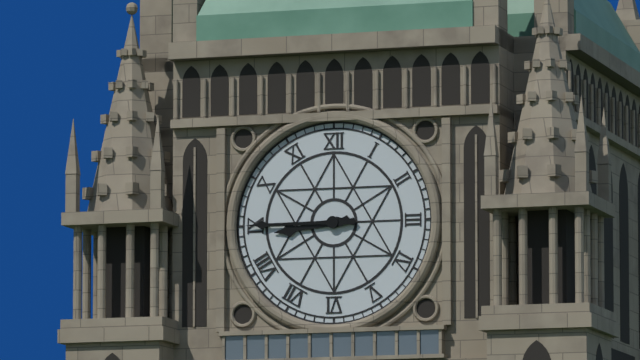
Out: 8h45
